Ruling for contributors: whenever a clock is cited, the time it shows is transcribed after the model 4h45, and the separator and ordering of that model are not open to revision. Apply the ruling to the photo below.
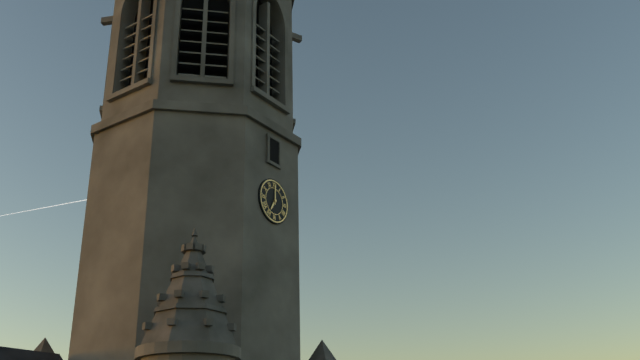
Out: 7h00
